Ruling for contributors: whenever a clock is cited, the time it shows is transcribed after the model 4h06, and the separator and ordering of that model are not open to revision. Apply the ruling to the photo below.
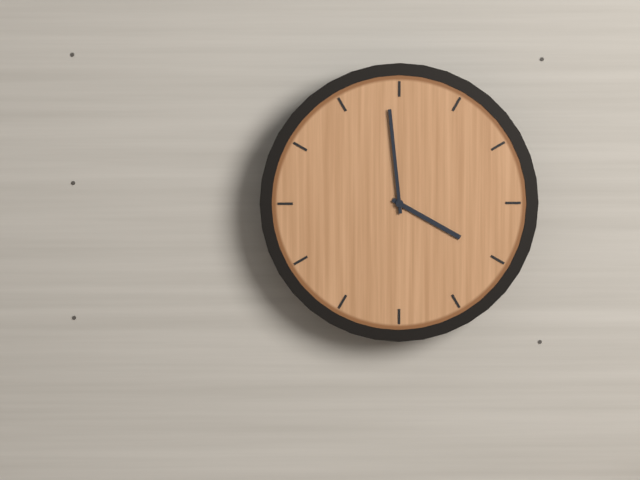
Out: 3h59
